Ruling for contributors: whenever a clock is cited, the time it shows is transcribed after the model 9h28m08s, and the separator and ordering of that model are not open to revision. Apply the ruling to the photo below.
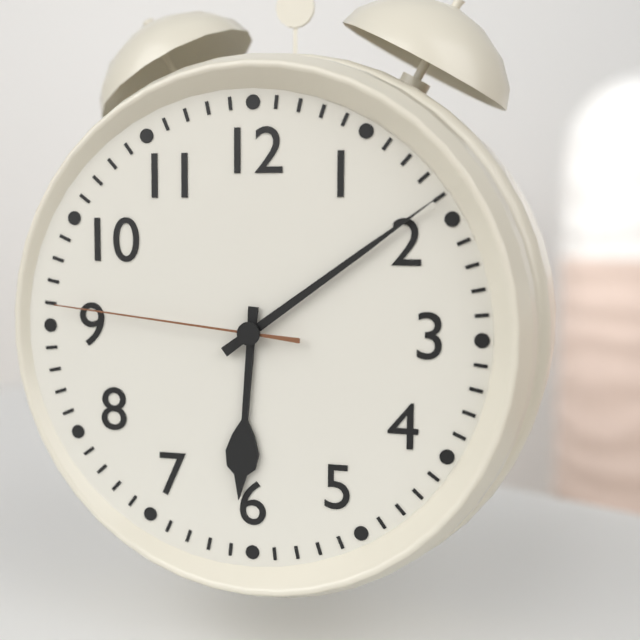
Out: 6h09m46s
